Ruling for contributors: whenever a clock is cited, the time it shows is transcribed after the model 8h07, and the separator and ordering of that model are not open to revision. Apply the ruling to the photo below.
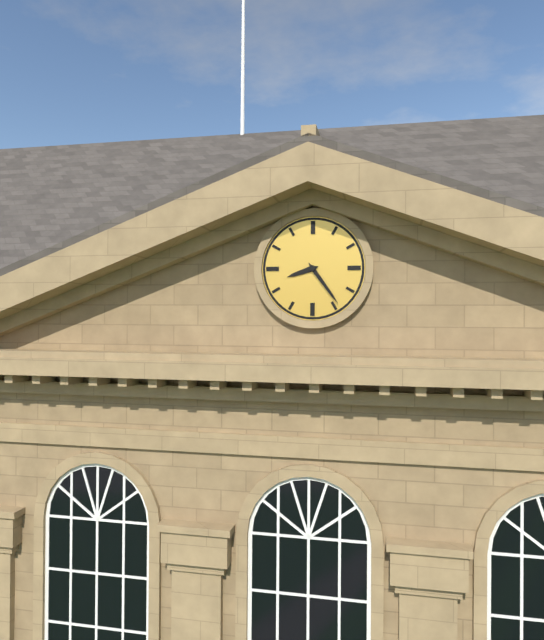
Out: 8h24
